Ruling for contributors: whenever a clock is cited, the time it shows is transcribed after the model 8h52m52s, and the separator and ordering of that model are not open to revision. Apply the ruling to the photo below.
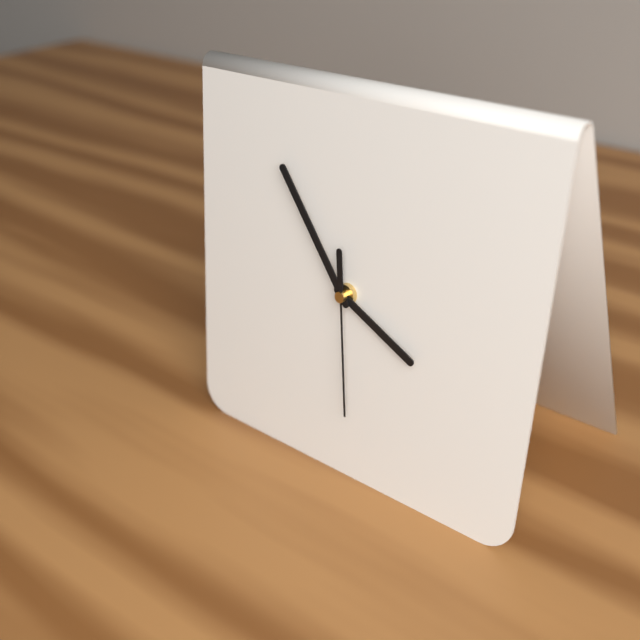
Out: 3h54m29s
